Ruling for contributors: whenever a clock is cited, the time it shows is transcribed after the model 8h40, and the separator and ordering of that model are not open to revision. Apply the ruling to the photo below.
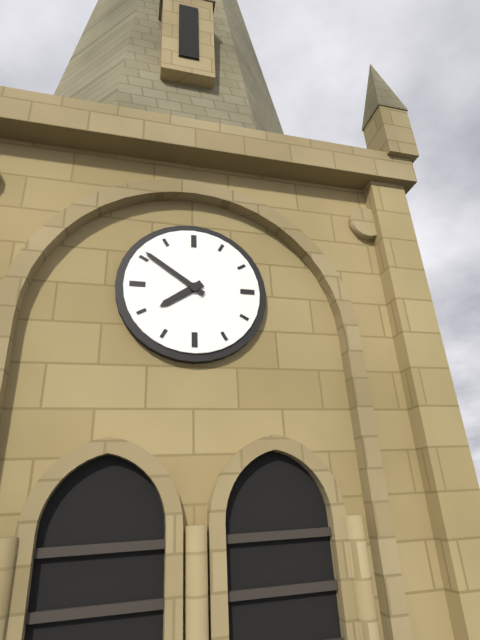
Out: 7h51
